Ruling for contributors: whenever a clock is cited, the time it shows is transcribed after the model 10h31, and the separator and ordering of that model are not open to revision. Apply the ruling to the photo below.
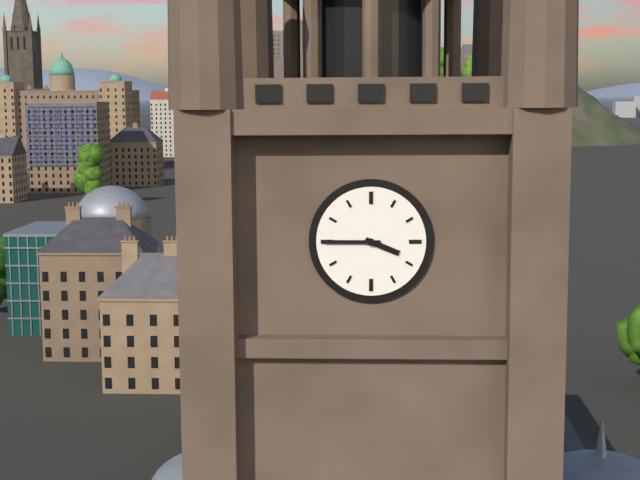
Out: 3h45
